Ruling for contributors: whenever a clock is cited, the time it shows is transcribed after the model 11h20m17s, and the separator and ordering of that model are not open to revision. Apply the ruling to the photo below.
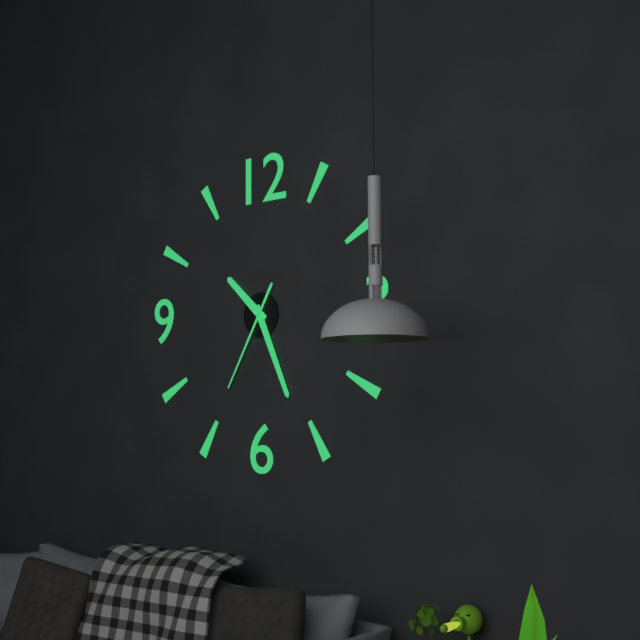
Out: 10h26m35s
